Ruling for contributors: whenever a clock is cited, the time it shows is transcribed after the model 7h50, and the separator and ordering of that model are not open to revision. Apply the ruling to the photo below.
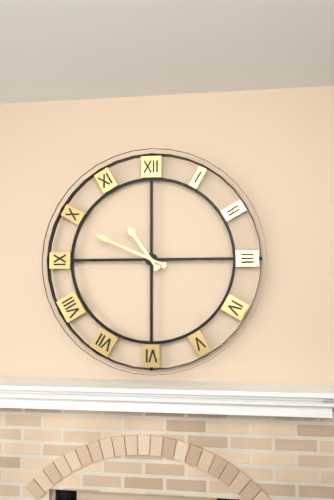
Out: 10h49
